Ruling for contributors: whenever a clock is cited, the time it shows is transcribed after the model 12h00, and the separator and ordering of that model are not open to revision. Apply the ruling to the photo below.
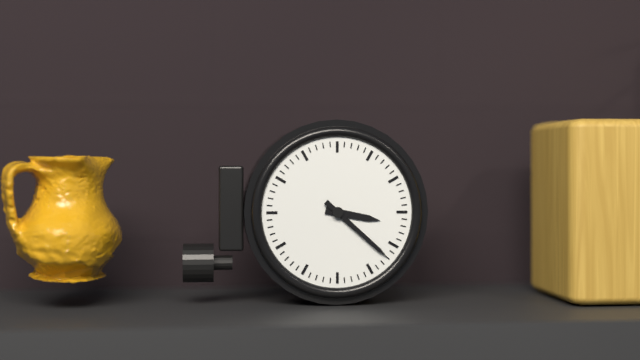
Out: 3h22
